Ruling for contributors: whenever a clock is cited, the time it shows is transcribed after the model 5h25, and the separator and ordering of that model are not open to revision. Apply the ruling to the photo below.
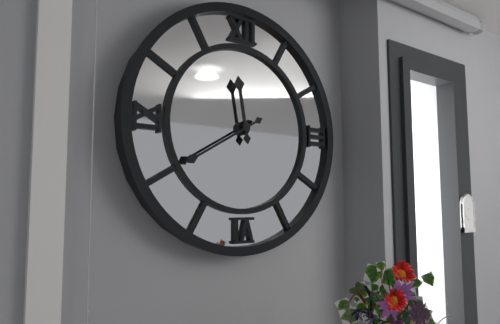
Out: 11h40
